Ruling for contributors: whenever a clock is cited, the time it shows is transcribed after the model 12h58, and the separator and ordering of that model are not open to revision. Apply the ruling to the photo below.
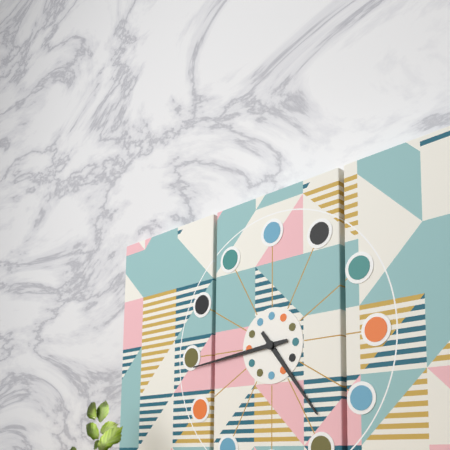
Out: 4h44
